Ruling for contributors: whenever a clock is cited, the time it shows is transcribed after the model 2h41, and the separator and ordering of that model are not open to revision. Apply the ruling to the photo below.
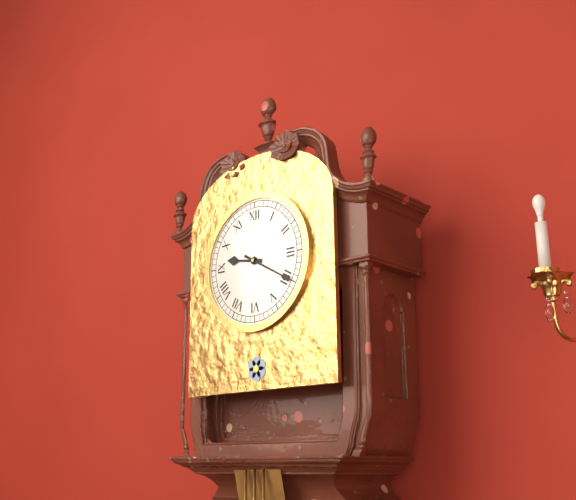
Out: 9h20
